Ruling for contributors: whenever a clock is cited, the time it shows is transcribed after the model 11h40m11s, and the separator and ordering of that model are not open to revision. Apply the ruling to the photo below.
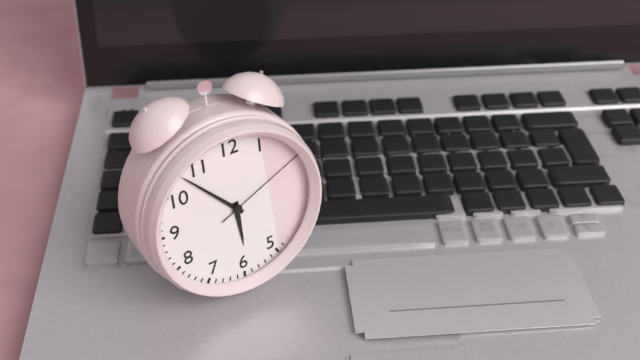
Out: 5h53m11s
